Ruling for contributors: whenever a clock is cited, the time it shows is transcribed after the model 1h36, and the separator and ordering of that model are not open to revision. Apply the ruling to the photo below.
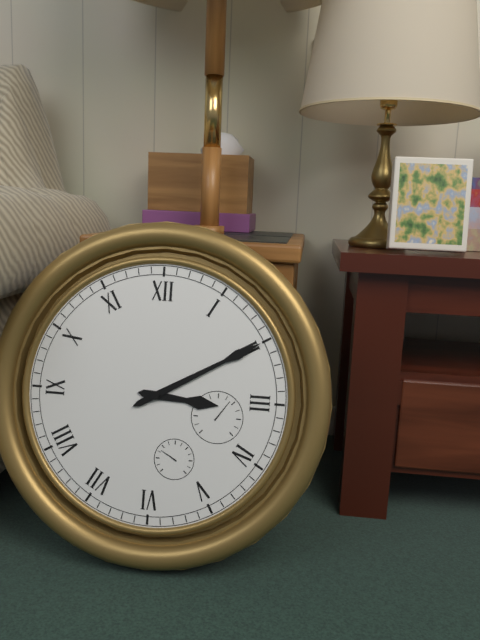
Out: 3h10
